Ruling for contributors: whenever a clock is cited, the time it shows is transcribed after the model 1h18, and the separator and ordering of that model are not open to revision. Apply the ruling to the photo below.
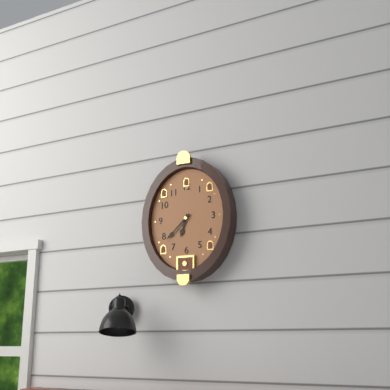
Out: 6h38
